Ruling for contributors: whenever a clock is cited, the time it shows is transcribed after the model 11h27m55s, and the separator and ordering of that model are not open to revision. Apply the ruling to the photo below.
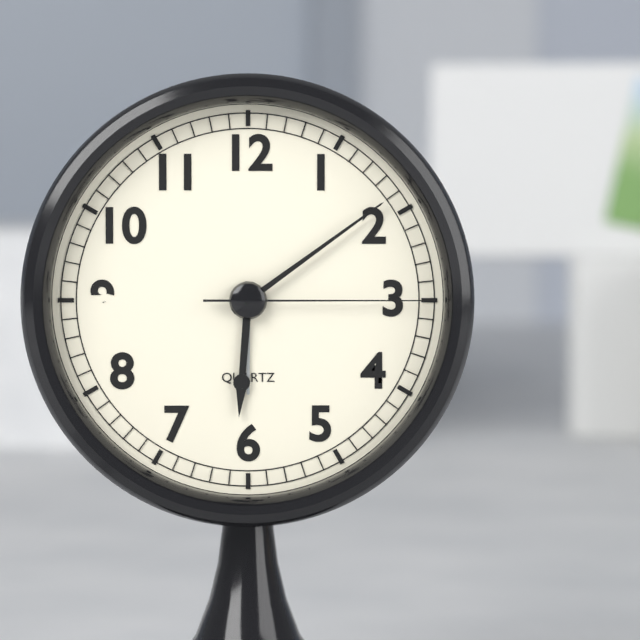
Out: 6h09m15s
